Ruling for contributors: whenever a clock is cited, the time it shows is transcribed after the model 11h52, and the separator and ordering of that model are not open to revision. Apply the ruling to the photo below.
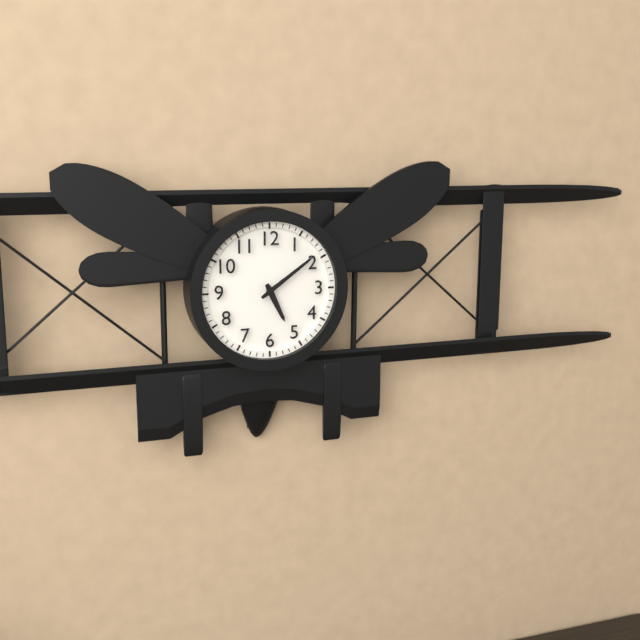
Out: 5h09
